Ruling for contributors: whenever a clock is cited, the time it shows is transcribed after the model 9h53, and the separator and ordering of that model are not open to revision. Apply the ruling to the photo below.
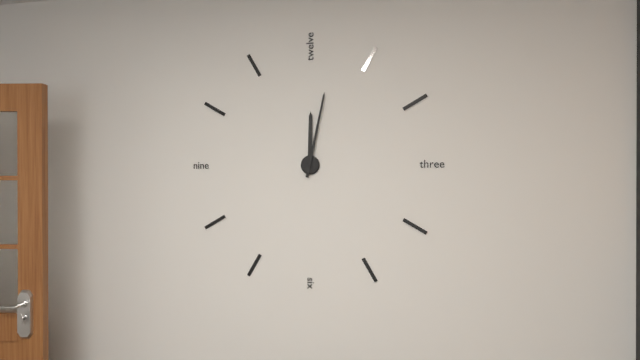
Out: 12h02
